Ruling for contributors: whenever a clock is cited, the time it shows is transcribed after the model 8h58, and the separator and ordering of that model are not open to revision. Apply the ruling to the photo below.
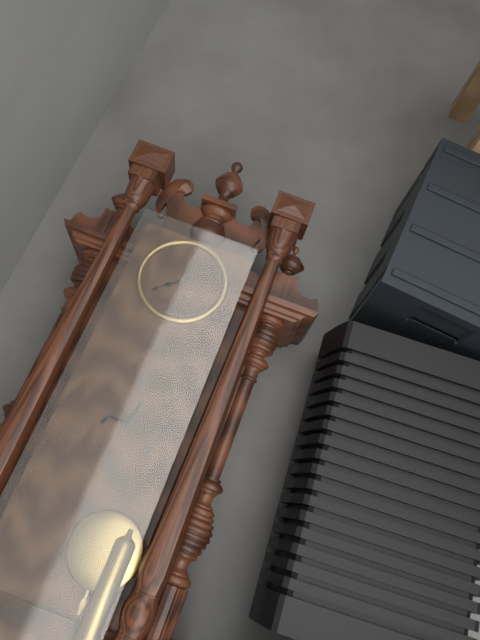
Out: 7h38
